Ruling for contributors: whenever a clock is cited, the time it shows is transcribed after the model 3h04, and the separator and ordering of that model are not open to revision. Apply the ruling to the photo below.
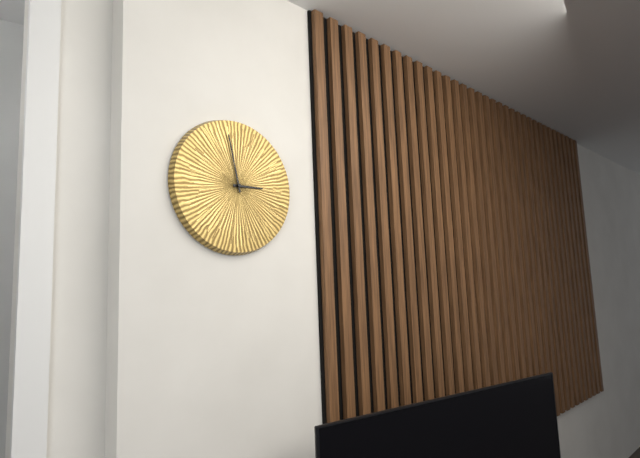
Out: 2h58
